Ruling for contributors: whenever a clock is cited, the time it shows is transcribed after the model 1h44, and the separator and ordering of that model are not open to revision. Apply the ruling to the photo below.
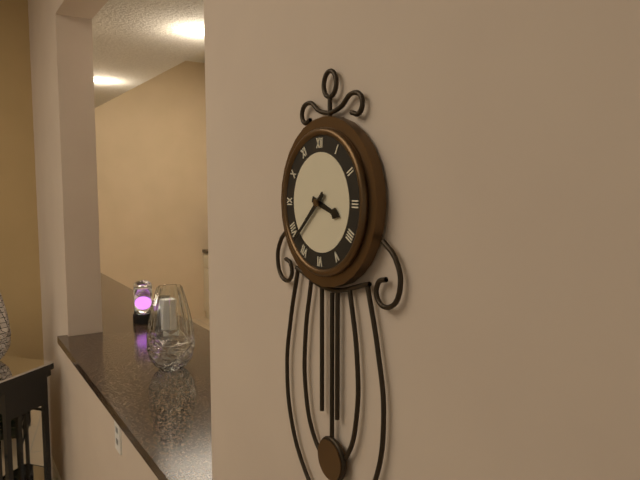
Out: 3h38
